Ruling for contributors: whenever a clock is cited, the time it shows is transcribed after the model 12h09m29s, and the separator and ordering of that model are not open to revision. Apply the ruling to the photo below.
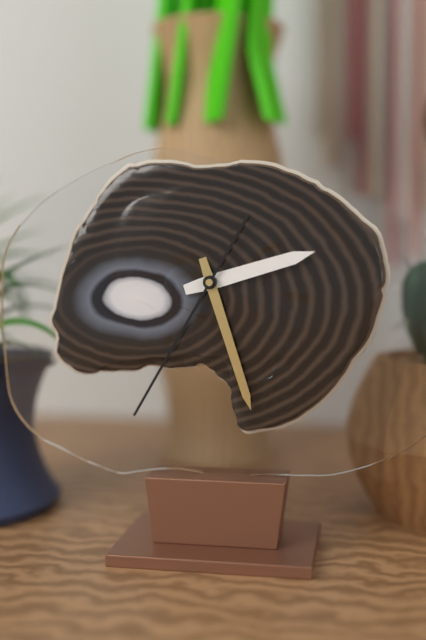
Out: 2h27m35s
